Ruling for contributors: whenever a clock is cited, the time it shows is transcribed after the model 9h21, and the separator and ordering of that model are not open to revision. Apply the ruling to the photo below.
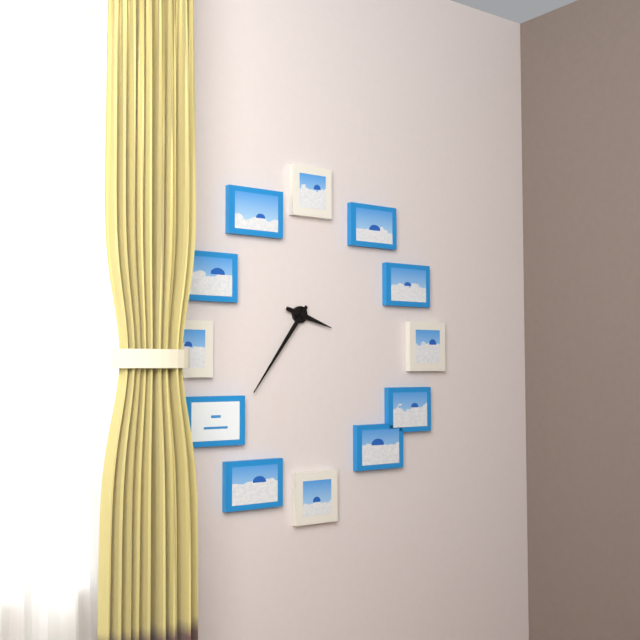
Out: 3h36
